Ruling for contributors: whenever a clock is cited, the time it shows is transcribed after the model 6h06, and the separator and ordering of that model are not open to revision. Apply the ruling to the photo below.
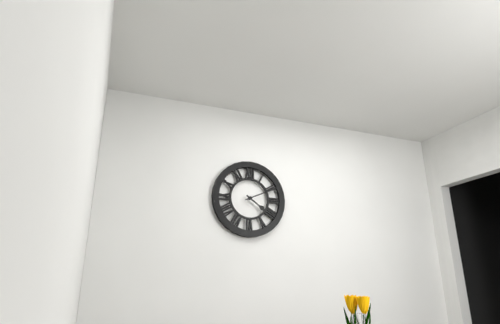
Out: 4h11
